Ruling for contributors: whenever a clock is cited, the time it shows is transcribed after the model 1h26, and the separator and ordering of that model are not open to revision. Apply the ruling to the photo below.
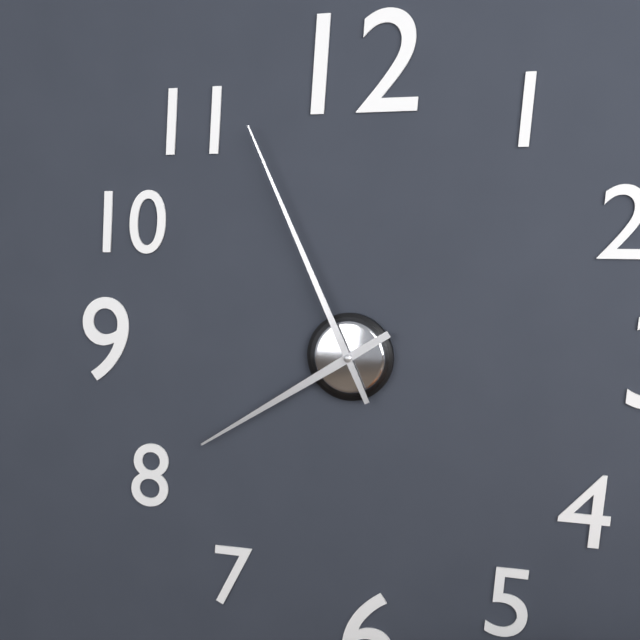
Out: 7h56
